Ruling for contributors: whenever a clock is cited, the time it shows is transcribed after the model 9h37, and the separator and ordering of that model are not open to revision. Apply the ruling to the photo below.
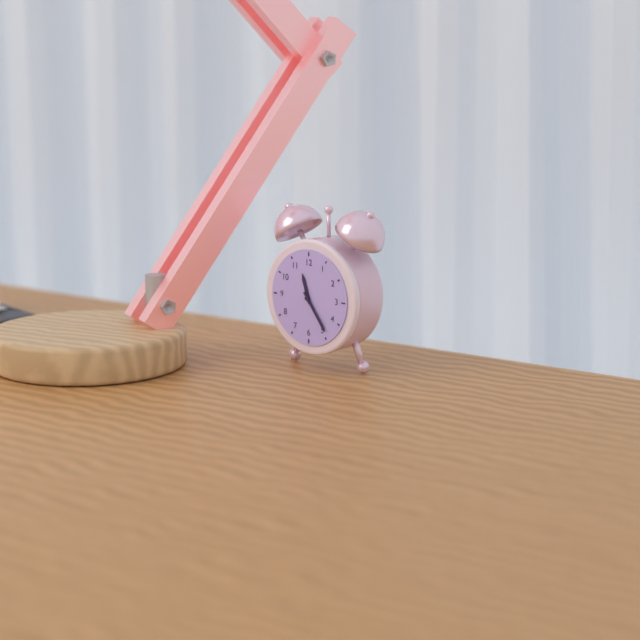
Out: 11h24
